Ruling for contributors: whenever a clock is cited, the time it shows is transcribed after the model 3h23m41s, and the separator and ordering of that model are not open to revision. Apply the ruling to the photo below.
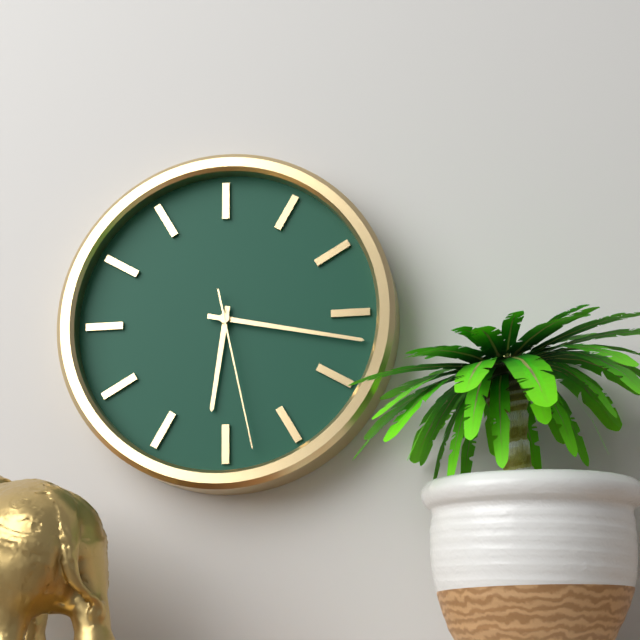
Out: 6h17m28s
